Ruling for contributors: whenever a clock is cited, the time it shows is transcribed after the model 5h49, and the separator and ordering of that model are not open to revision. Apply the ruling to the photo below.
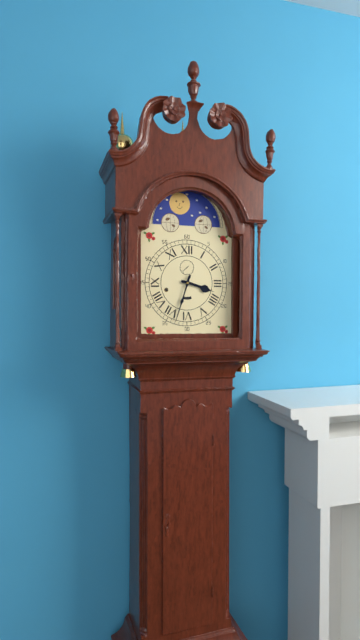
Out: 3h33
